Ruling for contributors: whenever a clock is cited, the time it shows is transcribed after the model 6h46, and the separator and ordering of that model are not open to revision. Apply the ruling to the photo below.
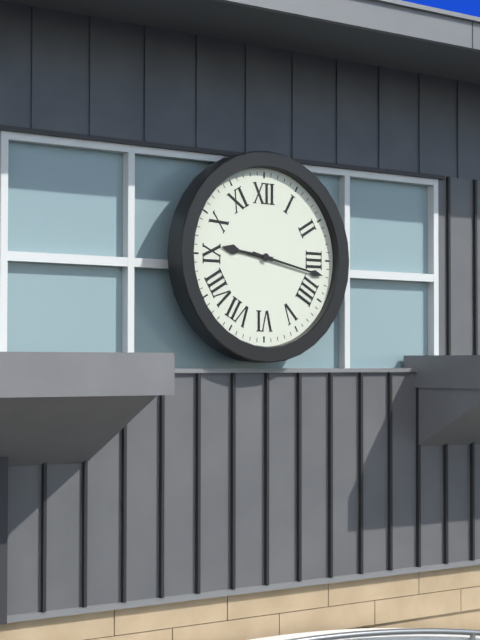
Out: 9h17
